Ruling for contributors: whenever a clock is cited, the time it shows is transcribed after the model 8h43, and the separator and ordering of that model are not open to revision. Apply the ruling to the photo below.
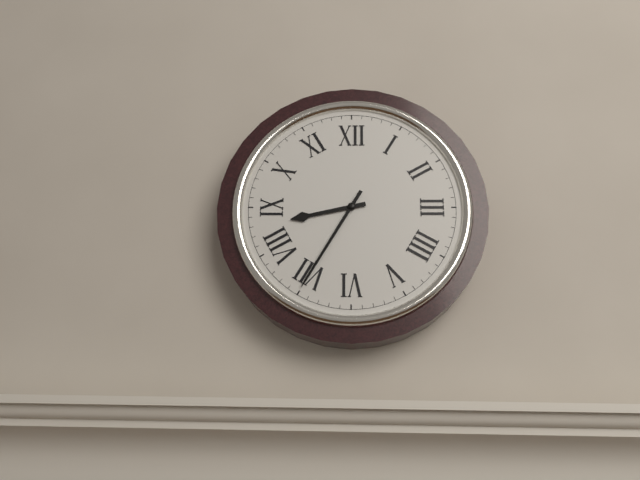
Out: 8h35
